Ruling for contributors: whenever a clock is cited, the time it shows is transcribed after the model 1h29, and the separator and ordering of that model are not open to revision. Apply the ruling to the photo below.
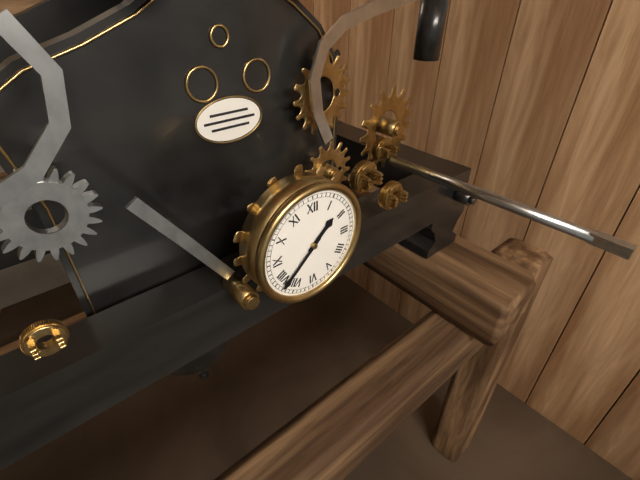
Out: 1h38
